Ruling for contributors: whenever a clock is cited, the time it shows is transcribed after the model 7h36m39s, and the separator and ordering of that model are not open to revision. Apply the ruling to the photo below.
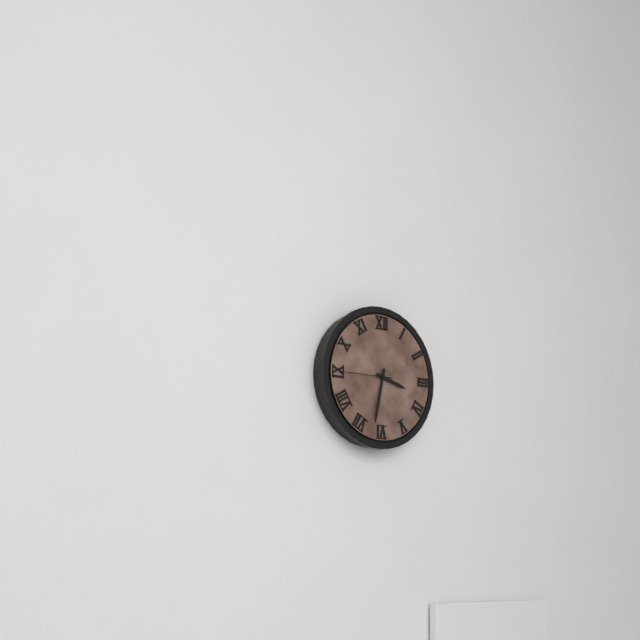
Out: 3h32m45s
